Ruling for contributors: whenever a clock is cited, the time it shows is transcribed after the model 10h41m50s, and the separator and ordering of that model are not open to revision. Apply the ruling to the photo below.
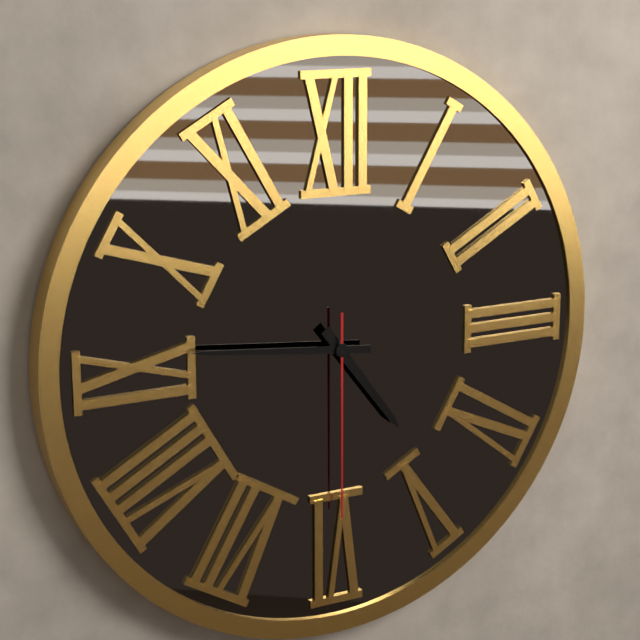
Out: 4h46m30s
